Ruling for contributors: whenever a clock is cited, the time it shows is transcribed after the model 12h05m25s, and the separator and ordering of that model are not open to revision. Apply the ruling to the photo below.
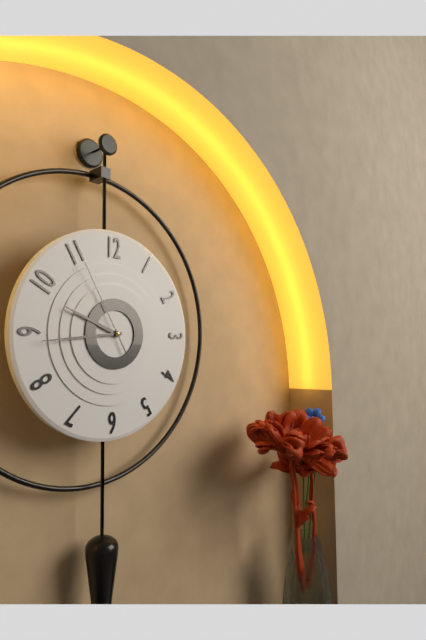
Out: 9h44m55s
